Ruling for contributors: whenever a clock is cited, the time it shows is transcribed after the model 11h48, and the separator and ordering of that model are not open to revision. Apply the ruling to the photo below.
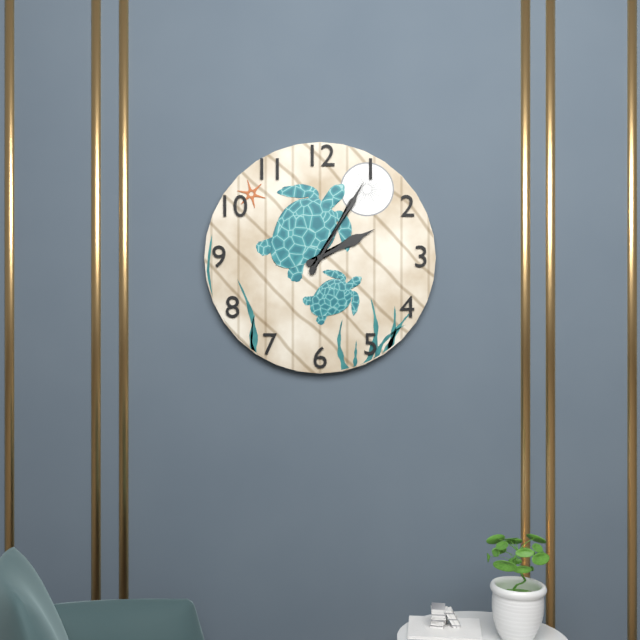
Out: 2h05
